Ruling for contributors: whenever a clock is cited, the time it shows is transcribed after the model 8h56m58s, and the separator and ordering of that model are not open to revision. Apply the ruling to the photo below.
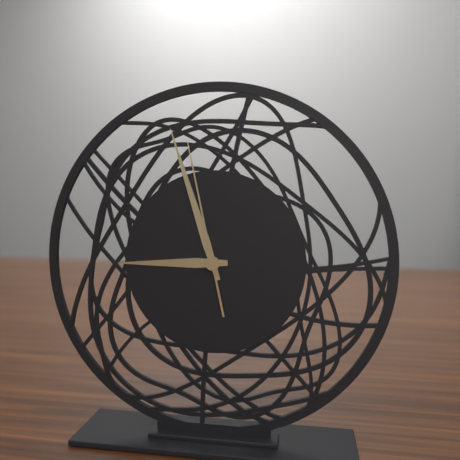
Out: 8h57m58s
